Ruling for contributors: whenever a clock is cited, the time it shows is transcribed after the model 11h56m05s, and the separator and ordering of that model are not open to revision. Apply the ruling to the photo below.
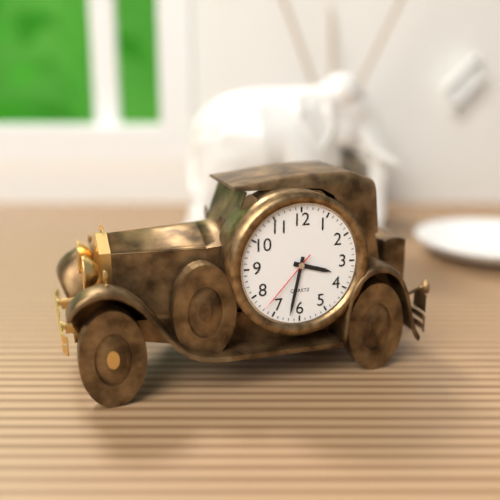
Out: 3h32m37s
